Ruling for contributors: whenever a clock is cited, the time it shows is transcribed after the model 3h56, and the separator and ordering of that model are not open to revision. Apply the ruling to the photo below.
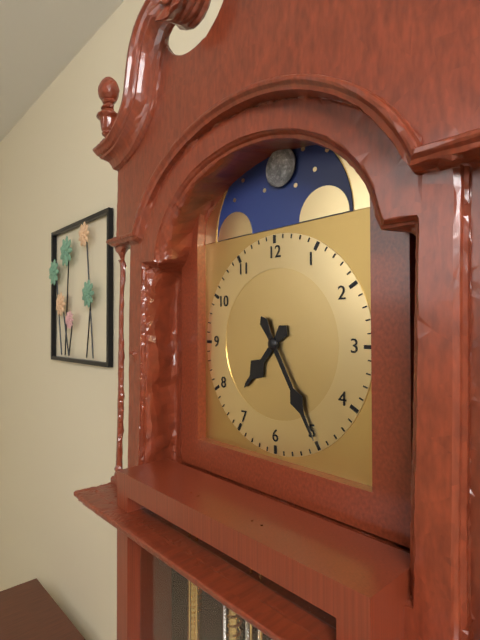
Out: 7h25
